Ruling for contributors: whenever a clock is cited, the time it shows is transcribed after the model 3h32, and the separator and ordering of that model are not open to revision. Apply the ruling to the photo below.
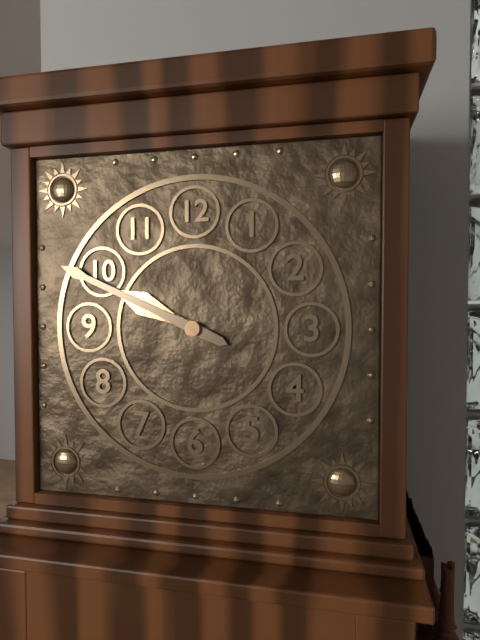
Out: 9h49
